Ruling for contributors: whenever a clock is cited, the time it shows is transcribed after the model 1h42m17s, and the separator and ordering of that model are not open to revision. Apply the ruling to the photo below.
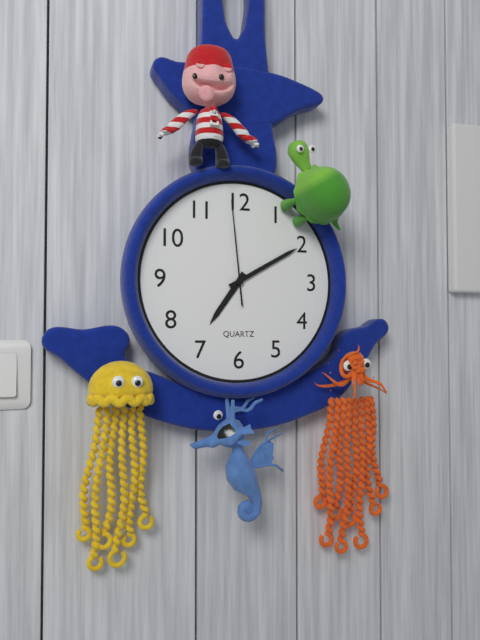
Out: 7h10m59s
